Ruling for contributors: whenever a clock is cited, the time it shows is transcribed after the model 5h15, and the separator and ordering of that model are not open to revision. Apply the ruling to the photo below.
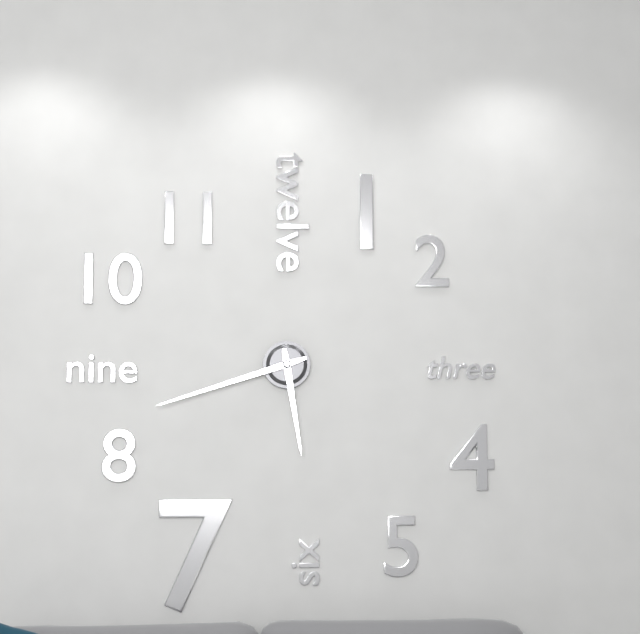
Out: 5h42
